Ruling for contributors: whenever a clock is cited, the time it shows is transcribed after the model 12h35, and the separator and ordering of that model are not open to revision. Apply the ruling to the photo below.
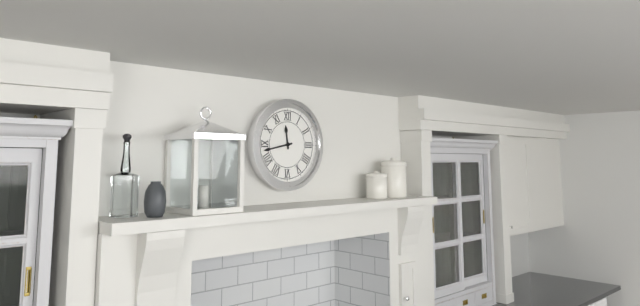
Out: 11h43
